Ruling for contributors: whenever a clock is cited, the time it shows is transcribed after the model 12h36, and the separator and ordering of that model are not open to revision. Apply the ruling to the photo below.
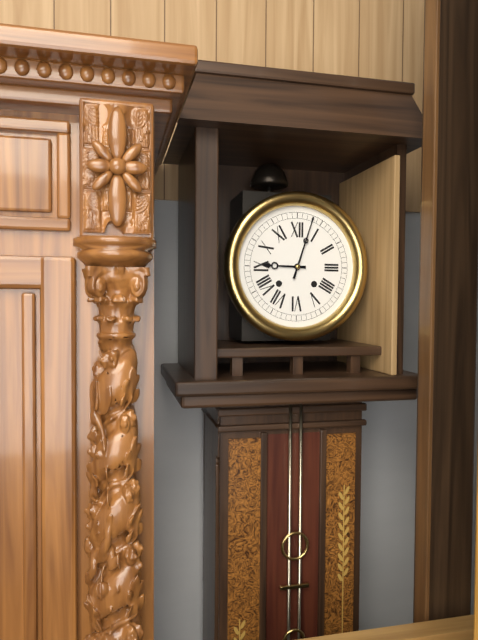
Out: 9h03
